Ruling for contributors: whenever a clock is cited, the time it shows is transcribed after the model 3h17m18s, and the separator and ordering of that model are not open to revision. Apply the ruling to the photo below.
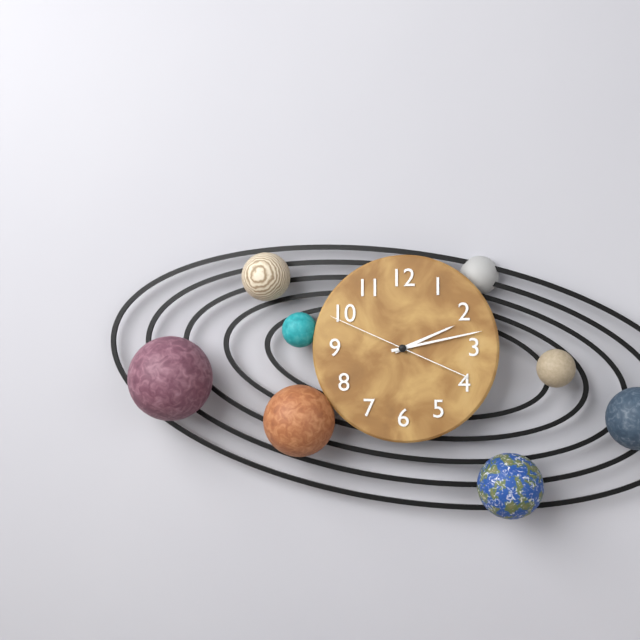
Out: 2h13m49s
